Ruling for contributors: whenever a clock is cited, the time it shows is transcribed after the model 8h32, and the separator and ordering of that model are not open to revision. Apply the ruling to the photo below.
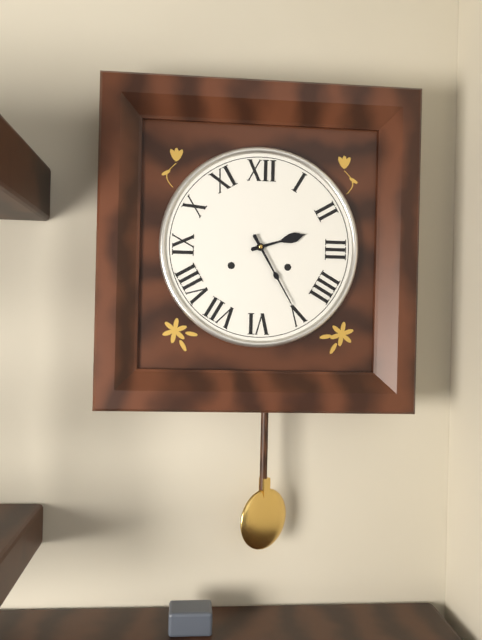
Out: 2h25
